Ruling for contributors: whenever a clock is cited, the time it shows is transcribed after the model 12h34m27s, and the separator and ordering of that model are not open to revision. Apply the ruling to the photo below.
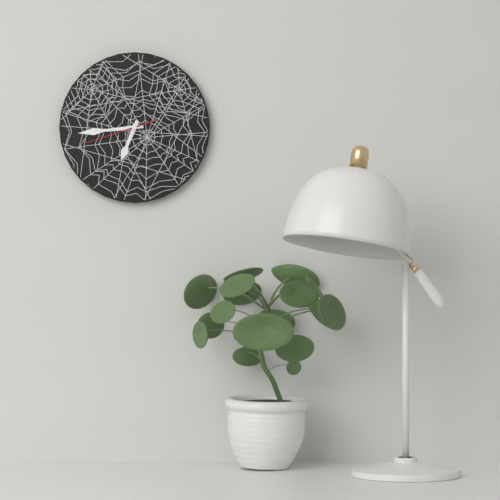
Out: 6h44m42s
